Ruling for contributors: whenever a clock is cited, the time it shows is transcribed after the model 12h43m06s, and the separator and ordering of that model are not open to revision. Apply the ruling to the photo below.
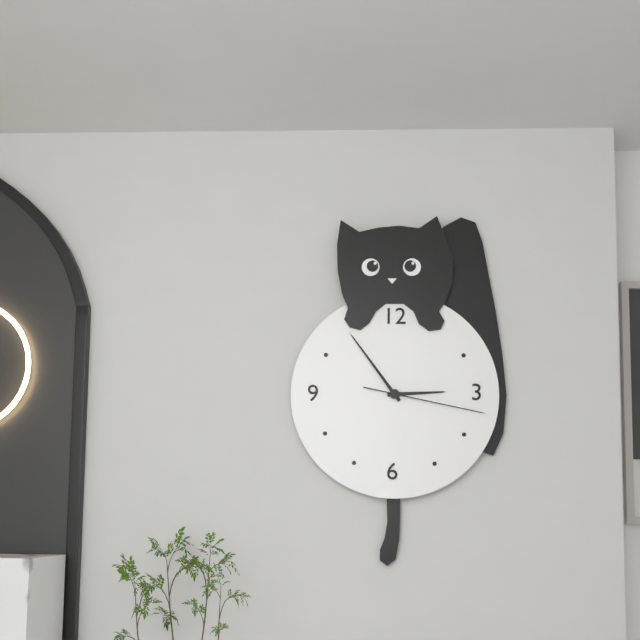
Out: 2h54m17s
